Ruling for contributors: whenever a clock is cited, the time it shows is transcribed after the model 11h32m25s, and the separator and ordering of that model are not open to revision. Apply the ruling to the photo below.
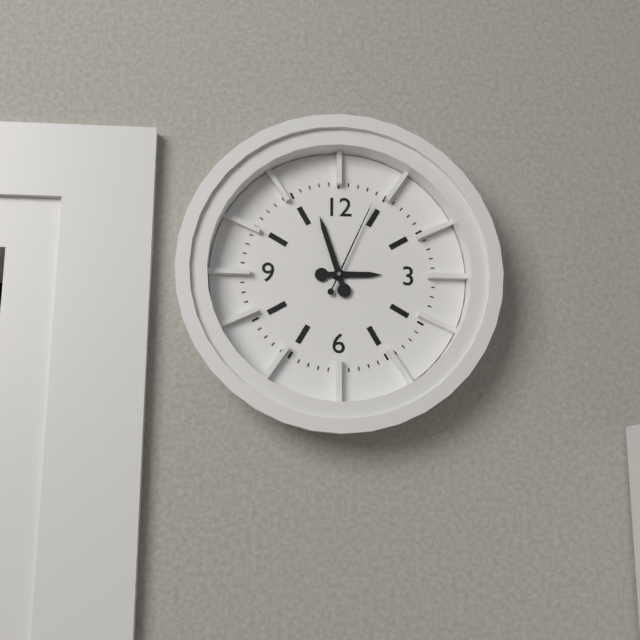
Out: 2h57m04s
